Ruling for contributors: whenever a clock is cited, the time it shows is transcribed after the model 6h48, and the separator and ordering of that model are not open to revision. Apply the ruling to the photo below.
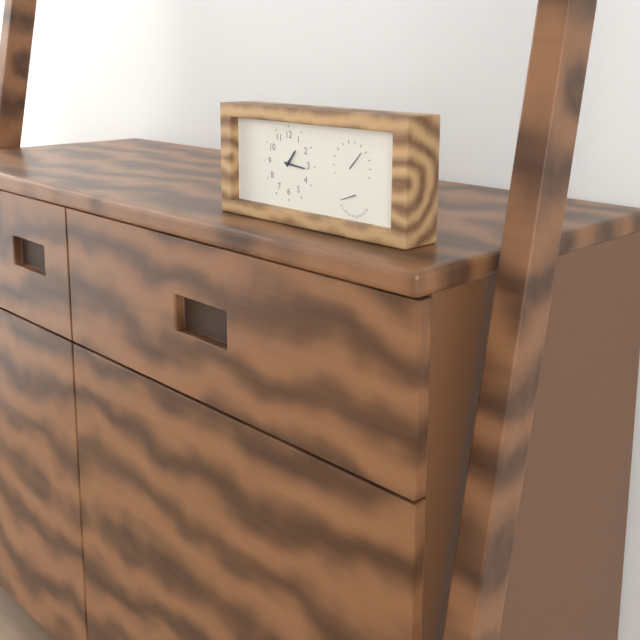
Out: 1h16
